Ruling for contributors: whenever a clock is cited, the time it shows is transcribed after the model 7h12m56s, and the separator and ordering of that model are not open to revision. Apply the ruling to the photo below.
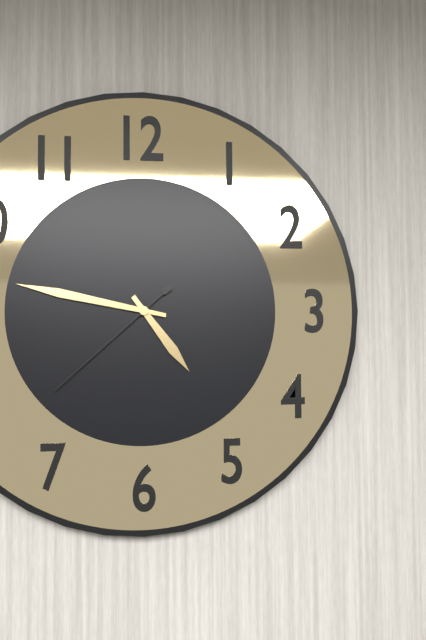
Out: 4h47m38s
